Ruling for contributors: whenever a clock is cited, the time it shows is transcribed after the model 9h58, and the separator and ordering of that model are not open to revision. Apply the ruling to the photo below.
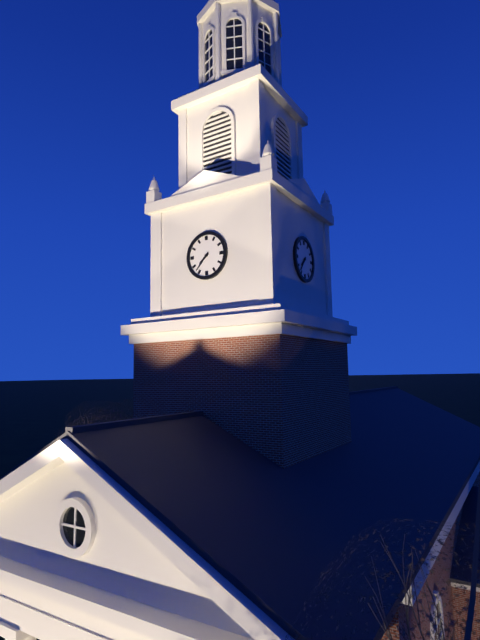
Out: 7h37
